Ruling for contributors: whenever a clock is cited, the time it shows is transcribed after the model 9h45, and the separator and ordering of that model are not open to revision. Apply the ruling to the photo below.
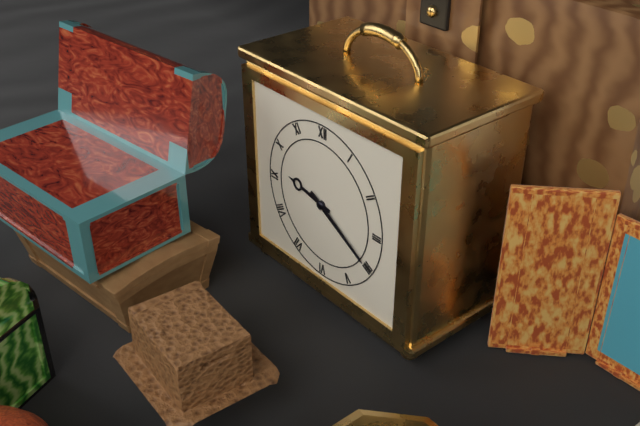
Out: 9h20
